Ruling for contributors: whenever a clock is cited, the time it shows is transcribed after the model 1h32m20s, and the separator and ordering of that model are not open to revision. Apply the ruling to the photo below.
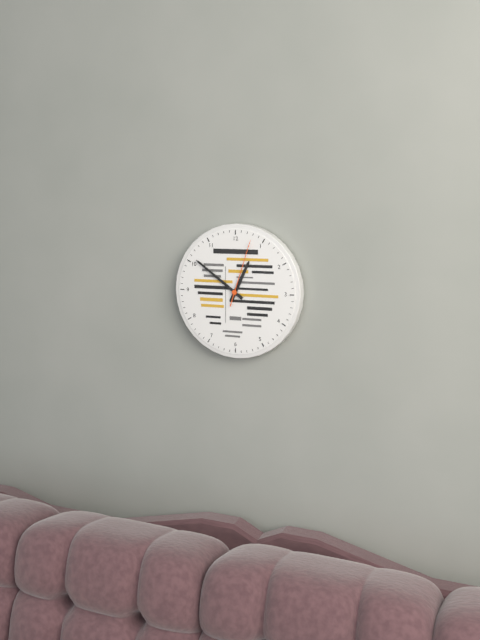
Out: 12h51m03s
